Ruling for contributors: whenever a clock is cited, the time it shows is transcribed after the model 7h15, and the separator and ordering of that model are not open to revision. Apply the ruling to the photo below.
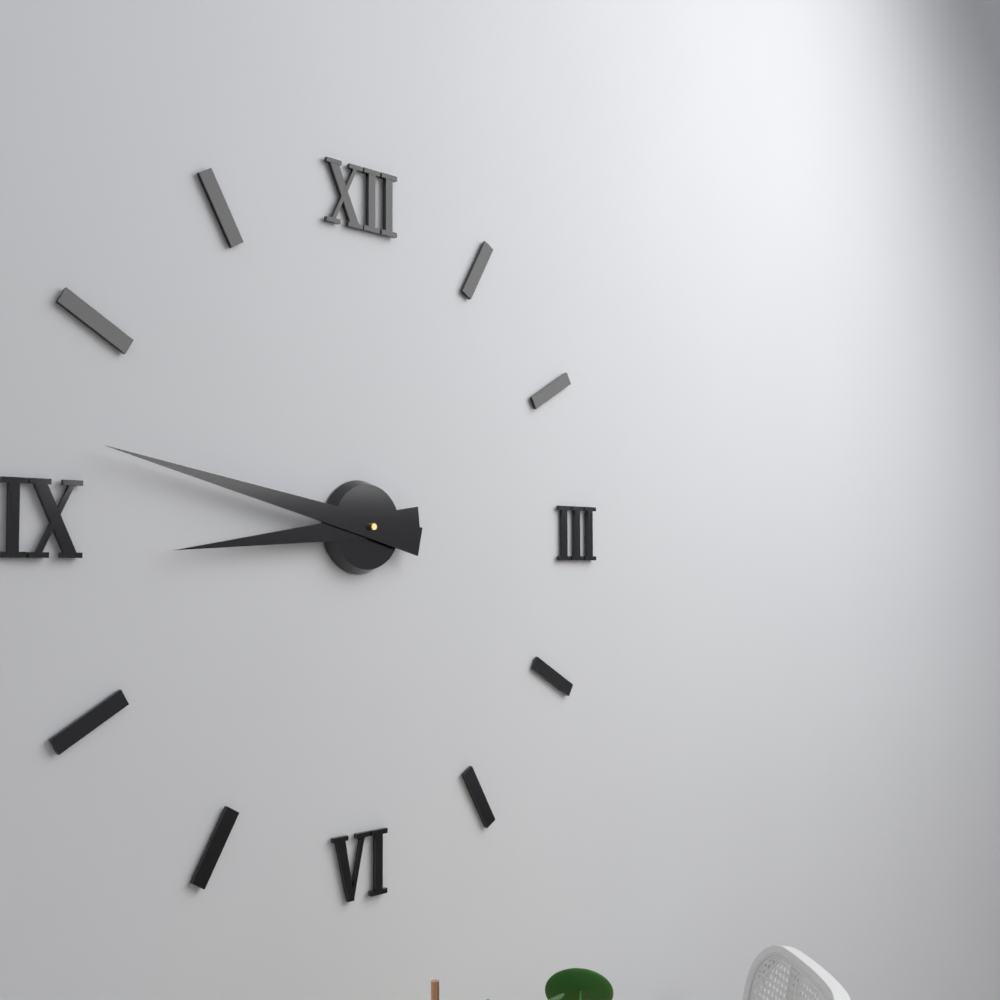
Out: 8h47
